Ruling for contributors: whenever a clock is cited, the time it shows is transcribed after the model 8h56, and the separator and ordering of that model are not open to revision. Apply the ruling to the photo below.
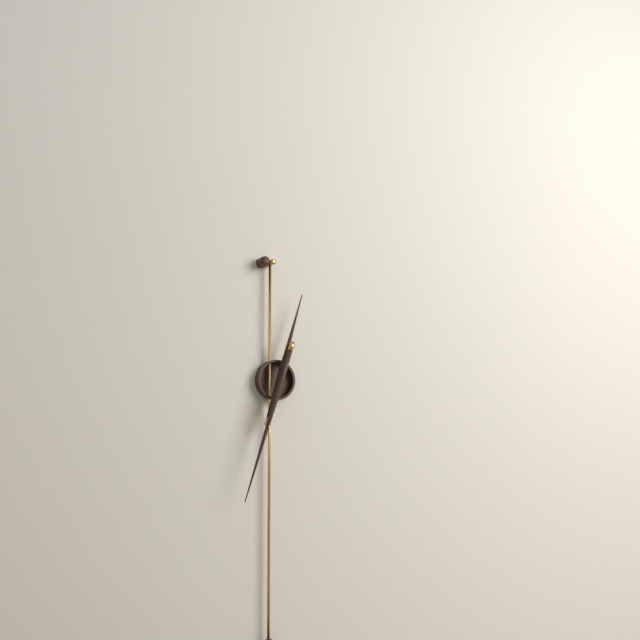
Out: 12h33
